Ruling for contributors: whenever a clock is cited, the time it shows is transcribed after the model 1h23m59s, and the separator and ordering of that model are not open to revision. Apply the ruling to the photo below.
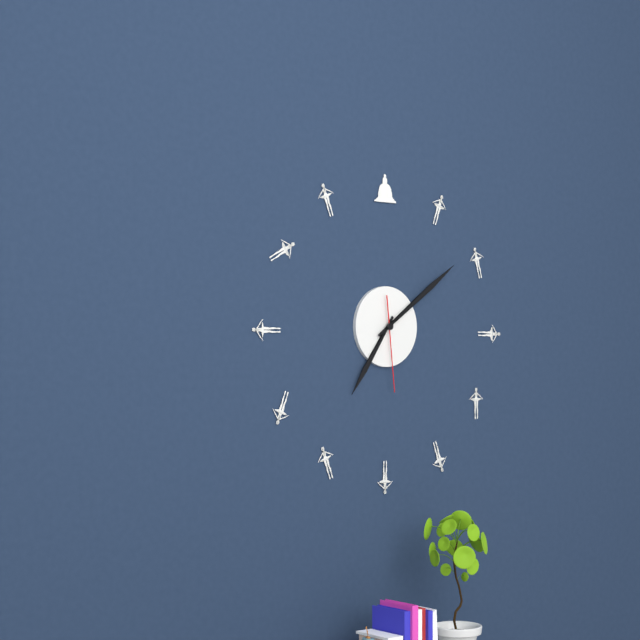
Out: 7h09m29s
